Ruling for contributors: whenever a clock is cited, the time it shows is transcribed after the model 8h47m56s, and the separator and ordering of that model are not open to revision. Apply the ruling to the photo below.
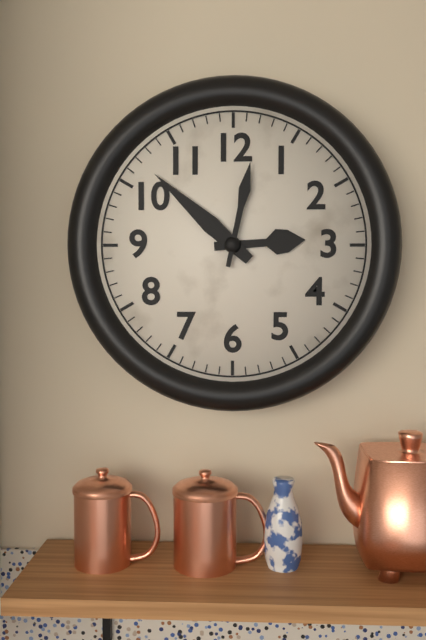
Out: 2h52m02s
